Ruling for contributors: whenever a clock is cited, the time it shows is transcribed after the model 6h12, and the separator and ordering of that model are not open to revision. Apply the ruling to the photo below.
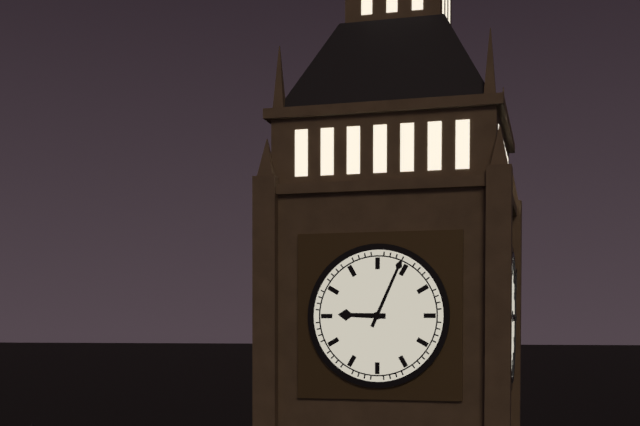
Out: 9h04
